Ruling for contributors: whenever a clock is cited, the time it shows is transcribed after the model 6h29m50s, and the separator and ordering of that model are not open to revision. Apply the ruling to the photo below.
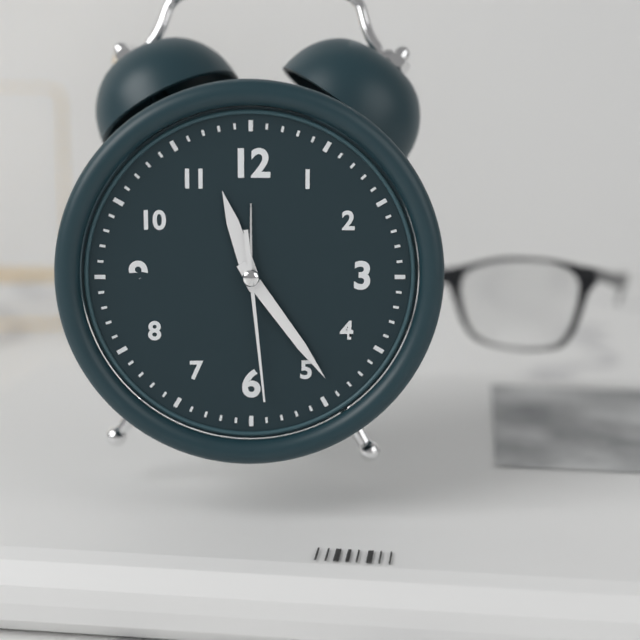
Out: 11h24m29s
